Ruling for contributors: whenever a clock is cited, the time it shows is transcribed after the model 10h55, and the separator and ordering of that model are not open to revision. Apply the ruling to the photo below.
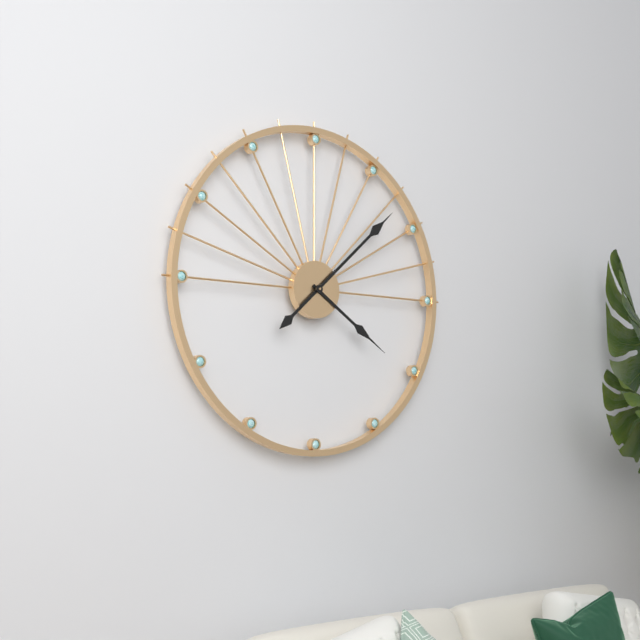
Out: 4h08
